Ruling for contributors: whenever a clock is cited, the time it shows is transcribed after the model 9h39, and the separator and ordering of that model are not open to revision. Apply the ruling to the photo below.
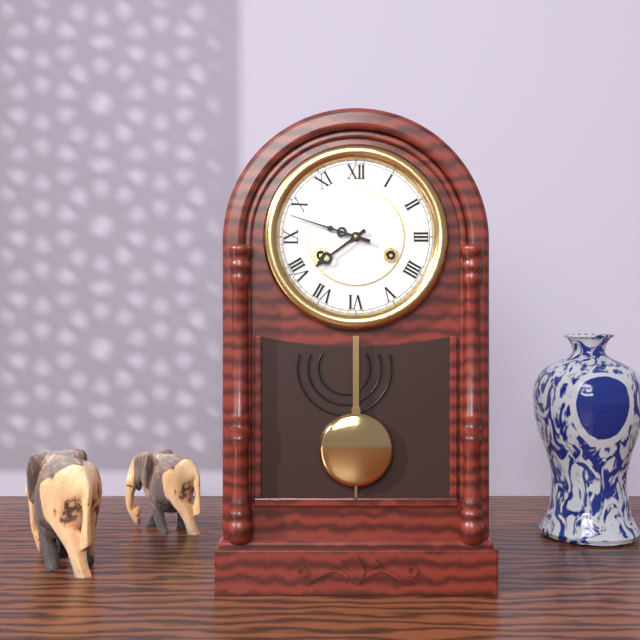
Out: 7h48
